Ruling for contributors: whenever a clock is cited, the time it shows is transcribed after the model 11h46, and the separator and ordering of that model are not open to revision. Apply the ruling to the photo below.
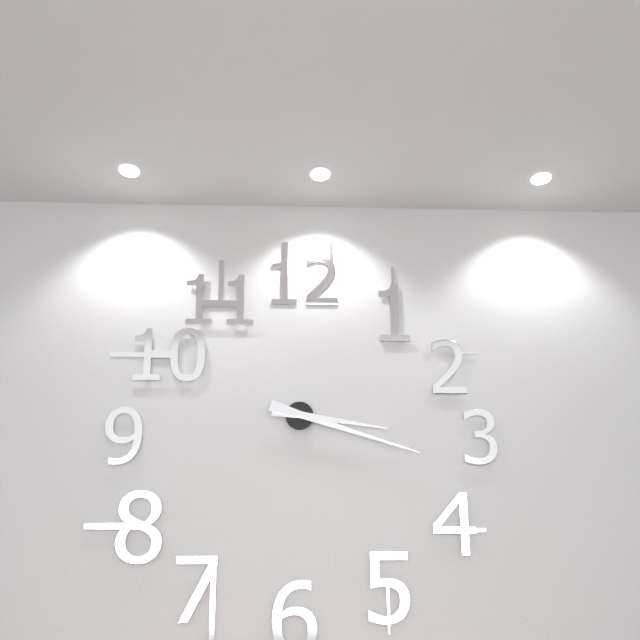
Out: 3h18
